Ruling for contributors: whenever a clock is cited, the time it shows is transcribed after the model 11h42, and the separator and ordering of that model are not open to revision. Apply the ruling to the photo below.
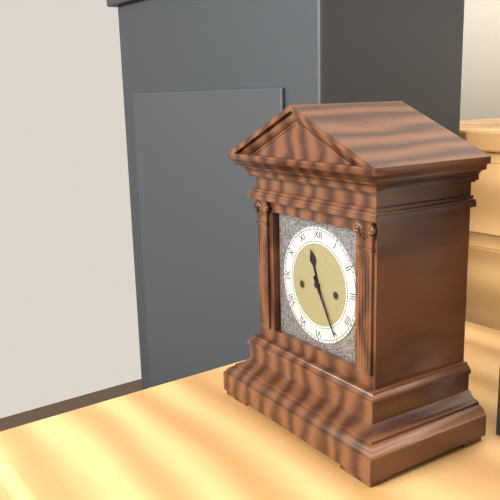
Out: 11h25
